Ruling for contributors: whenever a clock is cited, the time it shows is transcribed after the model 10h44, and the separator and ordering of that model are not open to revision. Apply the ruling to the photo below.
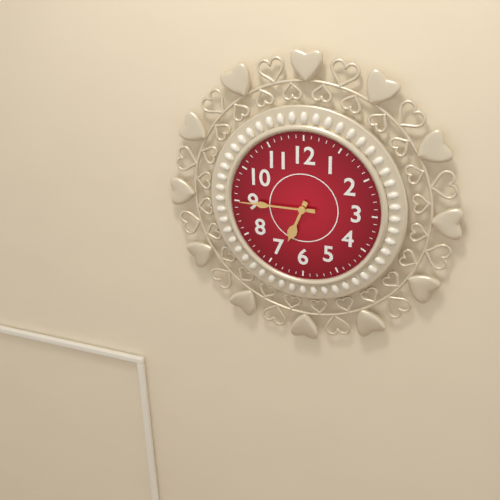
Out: 6h45
